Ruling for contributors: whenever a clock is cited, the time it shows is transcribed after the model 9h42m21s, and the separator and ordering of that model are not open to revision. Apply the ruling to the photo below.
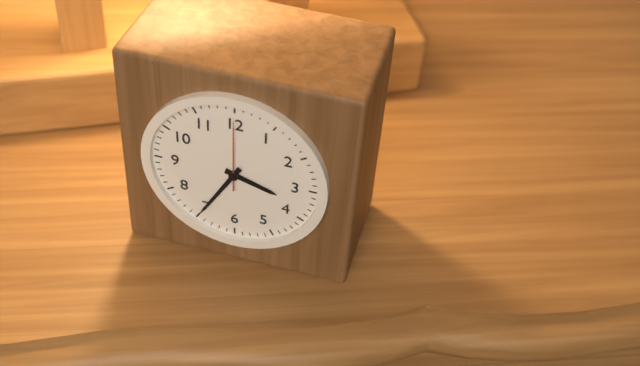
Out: 3h35m00s
